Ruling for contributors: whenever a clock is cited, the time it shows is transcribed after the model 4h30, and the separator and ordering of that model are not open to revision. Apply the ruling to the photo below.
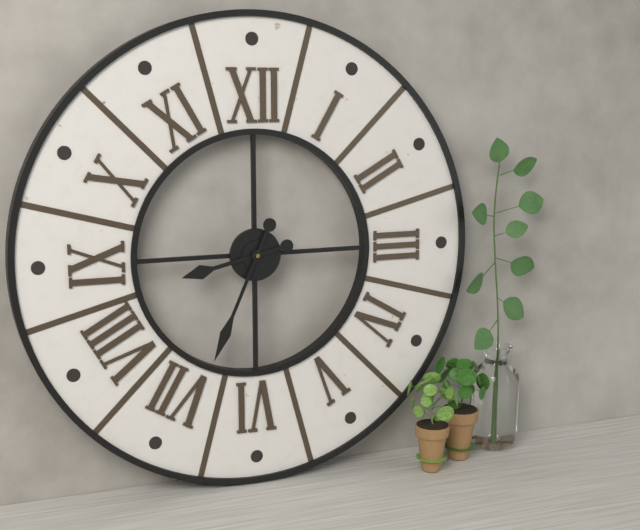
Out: 8h34
